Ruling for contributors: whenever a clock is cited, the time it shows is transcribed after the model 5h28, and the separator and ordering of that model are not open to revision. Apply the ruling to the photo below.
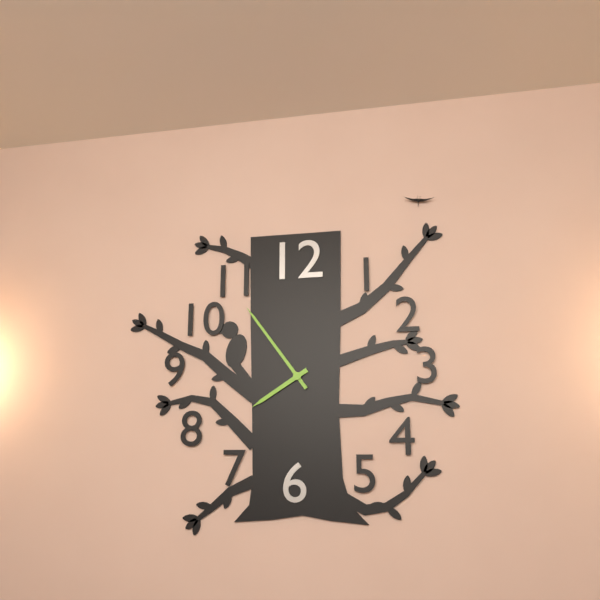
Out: 7h54
